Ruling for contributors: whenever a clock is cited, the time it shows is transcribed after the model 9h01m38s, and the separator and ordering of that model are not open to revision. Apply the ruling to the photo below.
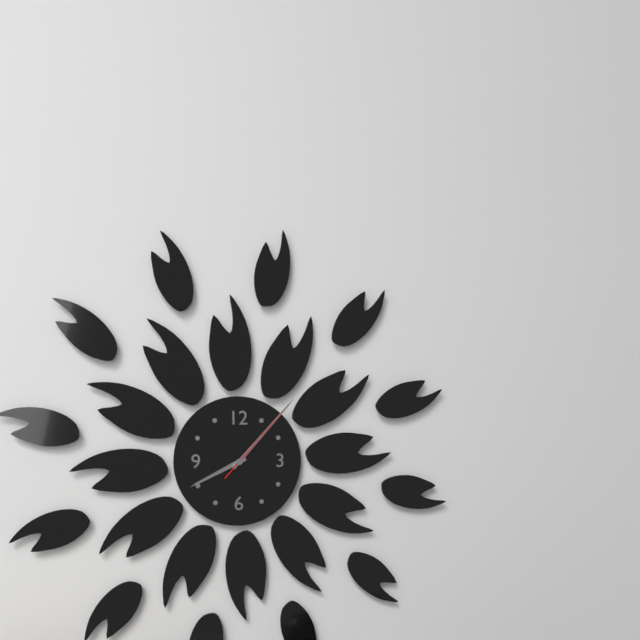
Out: 8h07m07s
